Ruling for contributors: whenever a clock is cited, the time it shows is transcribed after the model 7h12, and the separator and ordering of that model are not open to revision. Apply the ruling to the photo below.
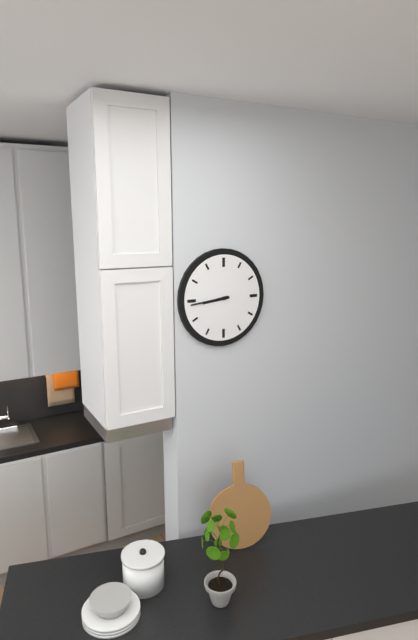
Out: 8h44
